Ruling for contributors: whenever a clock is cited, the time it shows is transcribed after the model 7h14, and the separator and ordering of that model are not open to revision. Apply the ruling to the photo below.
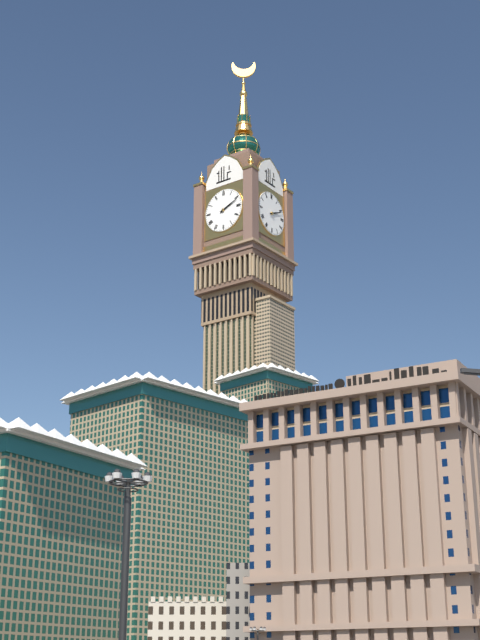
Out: 2h11
